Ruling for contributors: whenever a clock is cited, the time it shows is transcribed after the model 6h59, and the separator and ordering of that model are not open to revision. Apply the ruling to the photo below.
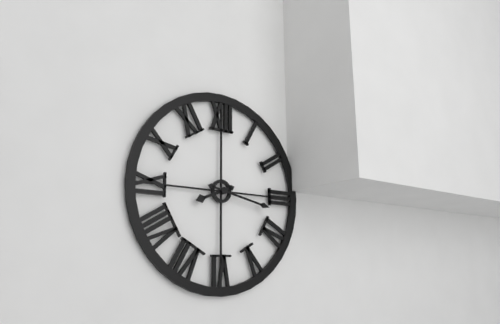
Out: 8h17
